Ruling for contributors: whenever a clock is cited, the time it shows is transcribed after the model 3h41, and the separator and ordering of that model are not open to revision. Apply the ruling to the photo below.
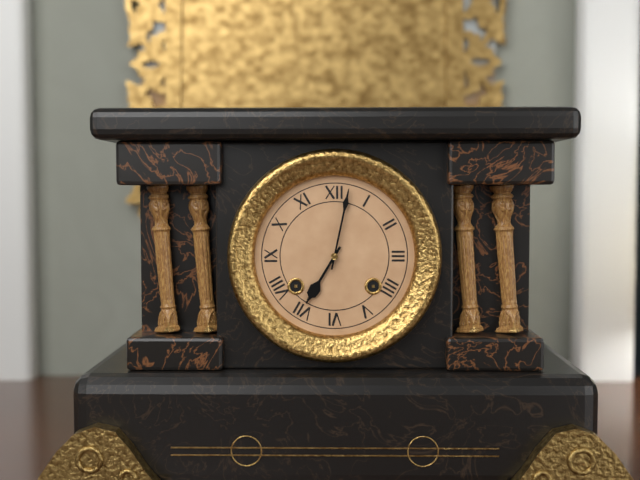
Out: 7h02
